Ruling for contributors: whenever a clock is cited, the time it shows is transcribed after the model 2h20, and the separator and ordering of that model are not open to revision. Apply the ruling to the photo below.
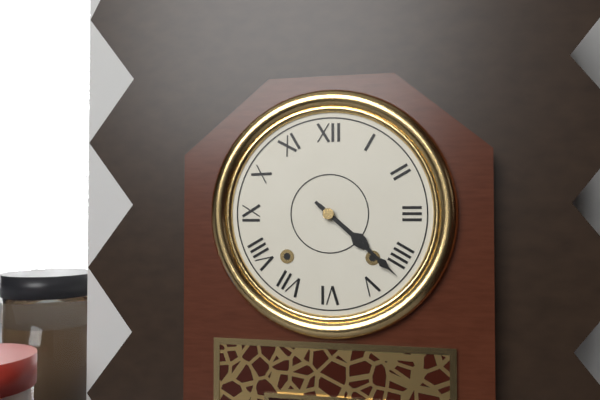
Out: 4h22
